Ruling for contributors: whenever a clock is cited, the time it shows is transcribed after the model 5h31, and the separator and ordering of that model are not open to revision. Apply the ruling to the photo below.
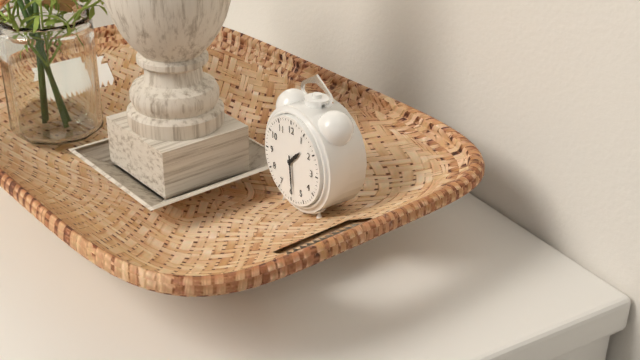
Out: 1h29
